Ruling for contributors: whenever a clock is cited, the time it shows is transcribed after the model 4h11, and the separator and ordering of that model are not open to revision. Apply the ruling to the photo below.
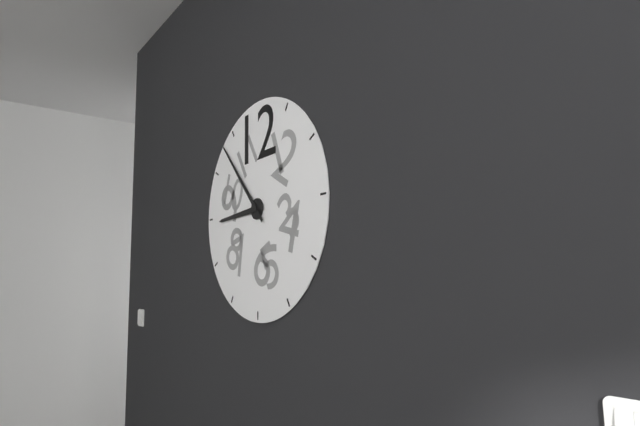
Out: 8h53
